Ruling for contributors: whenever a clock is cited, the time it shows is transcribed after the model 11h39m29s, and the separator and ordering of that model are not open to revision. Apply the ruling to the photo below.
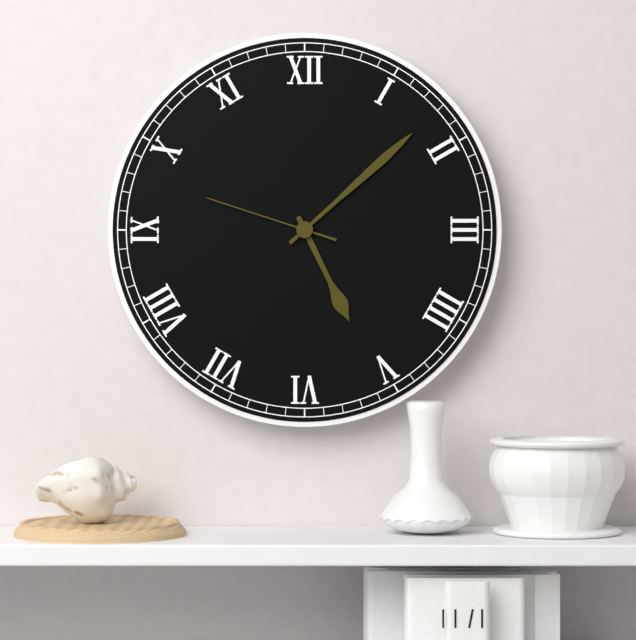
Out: 5h08m48s
